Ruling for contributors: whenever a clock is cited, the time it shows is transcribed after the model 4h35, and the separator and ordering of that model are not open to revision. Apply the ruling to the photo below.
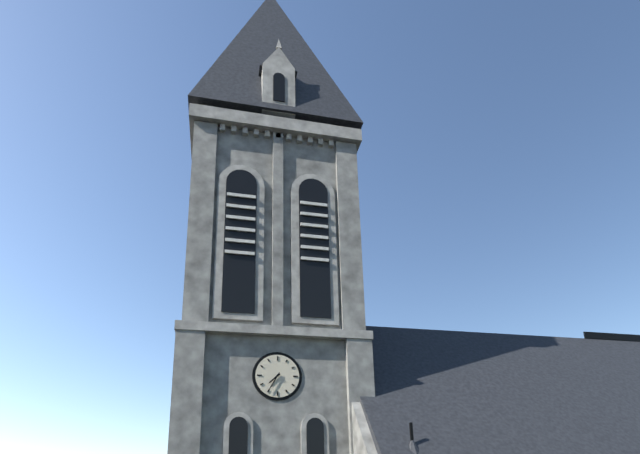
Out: 7h35
